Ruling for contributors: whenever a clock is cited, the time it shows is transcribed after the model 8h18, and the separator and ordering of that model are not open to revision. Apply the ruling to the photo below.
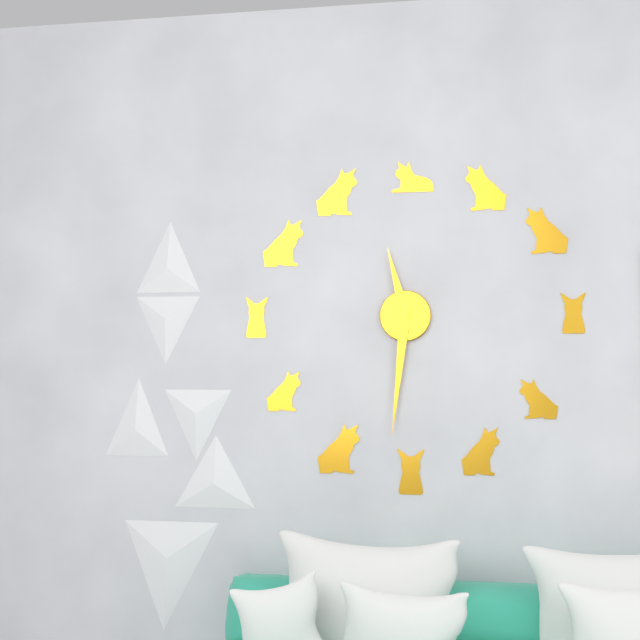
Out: 11h31
